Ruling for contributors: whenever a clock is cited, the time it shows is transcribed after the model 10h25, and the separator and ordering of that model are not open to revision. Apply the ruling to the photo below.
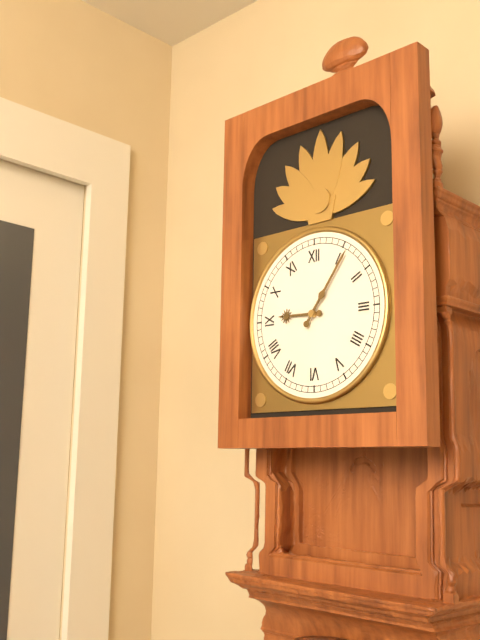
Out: 9h06
